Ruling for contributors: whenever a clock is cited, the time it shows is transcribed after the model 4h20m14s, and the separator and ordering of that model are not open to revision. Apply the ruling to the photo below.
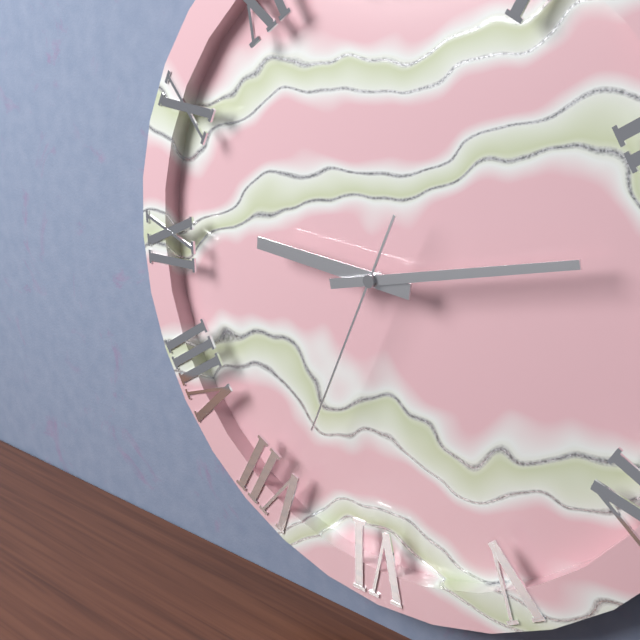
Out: 9h13m34s
